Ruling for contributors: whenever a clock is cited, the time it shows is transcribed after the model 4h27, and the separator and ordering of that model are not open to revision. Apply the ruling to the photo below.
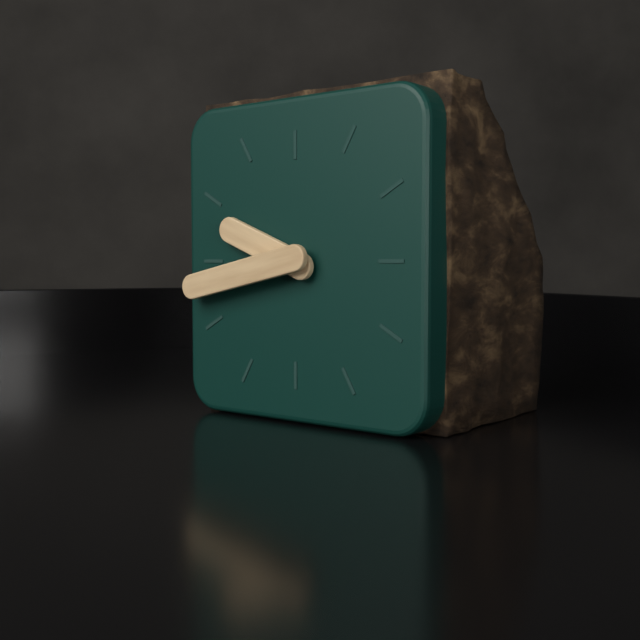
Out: 9h43
